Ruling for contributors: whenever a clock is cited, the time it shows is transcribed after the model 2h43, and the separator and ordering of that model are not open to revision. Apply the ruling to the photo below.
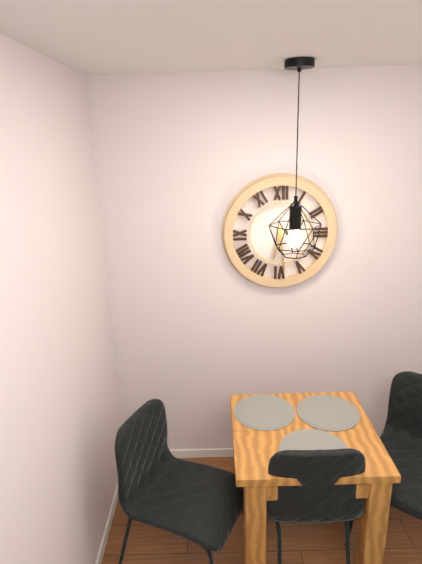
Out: 6h29
